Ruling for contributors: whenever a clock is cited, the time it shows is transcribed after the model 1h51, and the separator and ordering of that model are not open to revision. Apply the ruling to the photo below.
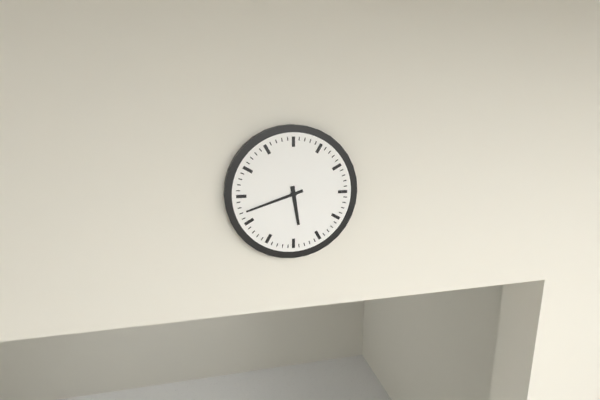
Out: 5h42
